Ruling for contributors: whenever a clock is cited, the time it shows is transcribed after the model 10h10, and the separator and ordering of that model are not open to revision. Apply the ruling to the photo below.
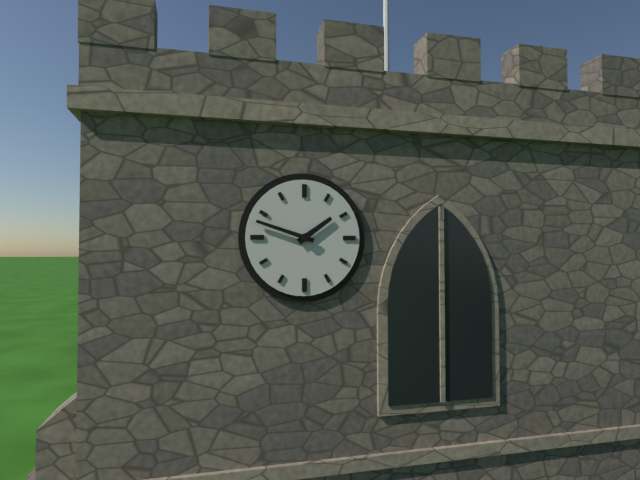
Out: 1h48
